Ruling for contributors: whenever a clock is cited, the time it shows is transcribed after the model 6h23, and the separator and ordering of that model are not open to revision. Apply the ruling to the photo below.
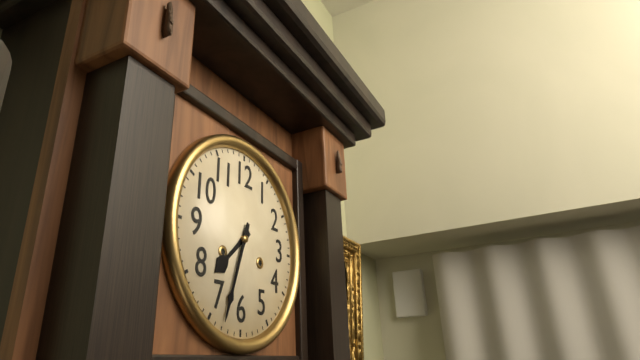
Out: 7h33
